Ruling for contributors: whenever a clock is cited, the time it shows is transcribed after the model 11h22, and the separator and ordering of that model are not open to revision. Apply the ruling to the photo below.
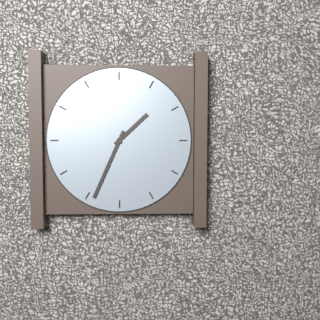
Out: 1h34
